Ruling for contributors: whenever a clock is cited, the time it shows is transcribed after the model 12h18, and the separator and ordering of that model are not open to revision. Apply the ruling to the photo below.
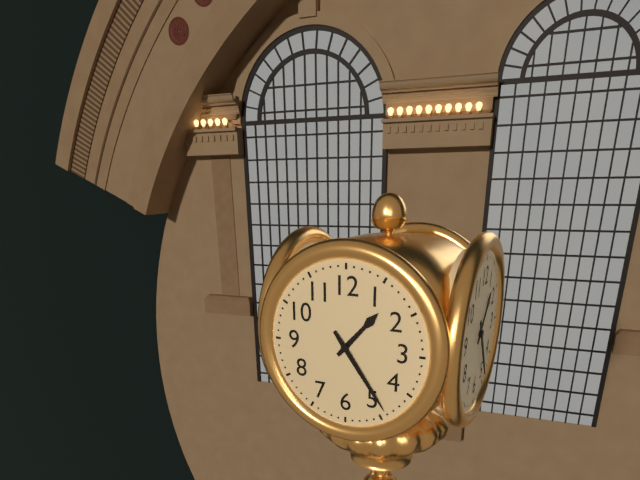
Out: 1h24
